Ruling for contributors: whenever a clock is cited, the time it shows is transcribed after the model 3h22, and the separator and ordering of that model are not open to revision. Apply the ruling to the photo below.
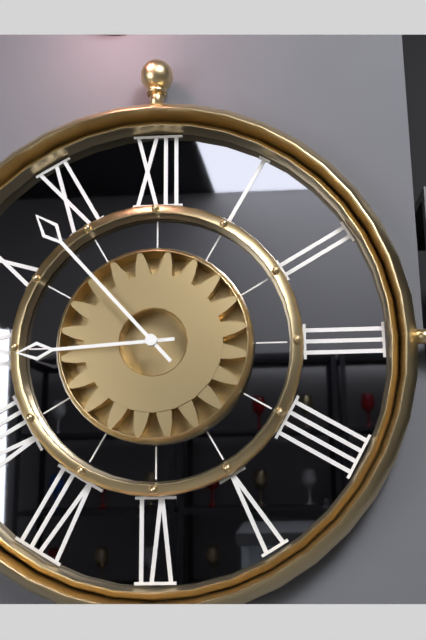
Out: 8h53
